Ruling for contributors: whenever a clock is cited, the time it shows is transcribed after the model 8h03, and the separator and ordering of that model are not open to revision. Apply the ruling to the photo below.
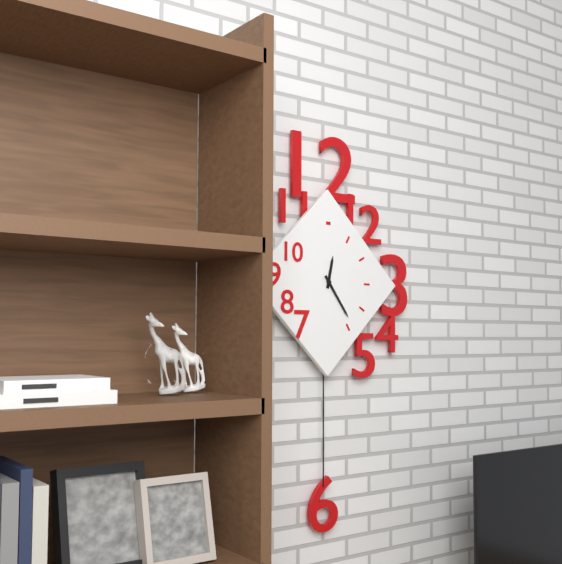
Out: 12h24
